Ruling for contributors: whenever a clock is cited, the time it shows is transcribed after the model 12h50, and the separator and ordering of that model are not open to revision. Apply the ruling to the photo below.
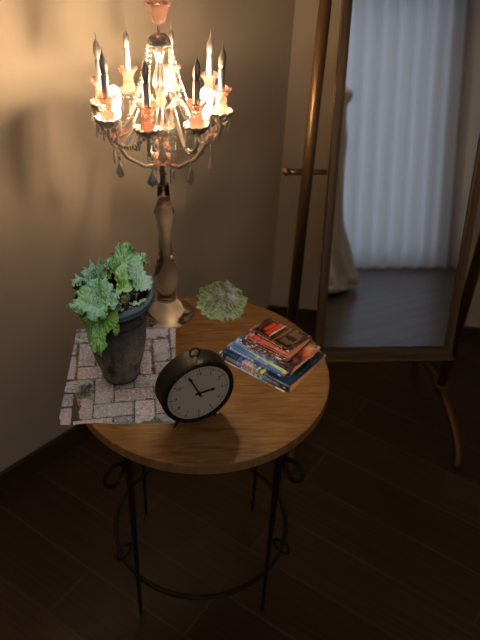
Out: 2h56
